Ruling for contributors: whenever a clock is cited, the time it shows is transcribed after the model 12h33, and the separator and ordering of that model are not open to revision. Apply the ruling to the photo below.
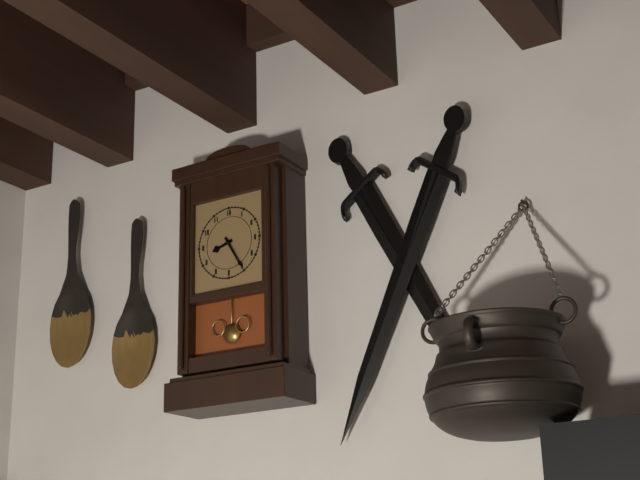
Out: 8h25
